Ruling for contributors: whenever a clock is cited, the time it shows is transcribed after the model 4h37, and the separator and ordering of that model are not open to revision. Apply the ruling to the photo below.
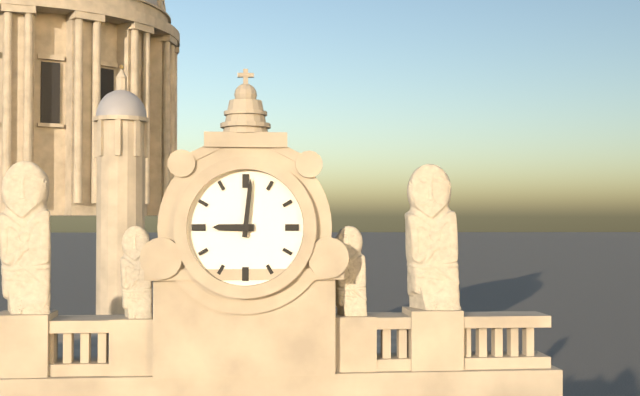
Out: 9h01
